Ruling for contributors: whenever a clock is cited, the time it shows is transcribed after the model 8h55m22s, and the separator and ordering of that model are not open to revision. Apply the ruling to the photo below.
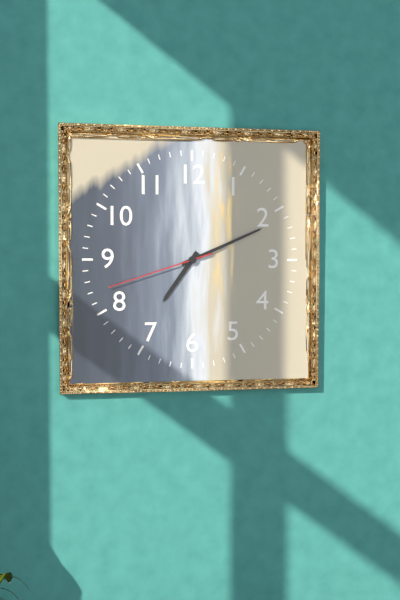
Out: 7h11m42s
